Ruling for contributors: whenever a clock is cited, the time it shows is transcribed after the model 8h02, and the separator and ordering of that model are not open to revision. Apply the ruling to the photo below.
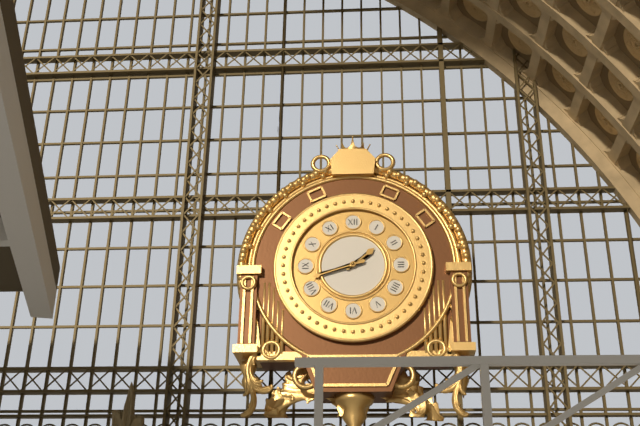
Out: 1h42
